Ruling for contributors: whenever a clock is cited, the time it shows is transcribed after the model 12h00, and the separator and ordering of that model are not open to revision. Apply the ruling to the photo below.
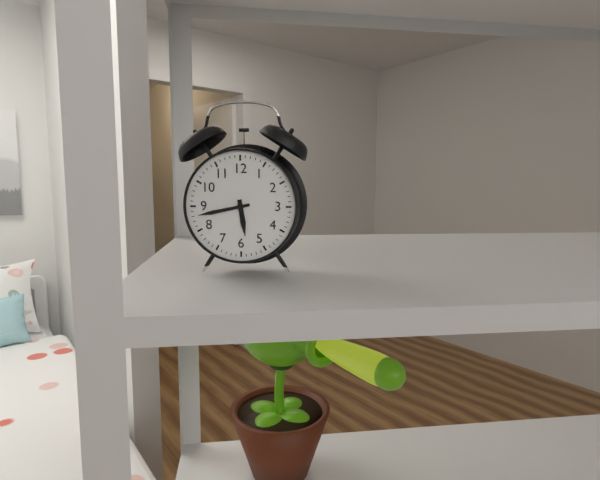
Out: 5h43
